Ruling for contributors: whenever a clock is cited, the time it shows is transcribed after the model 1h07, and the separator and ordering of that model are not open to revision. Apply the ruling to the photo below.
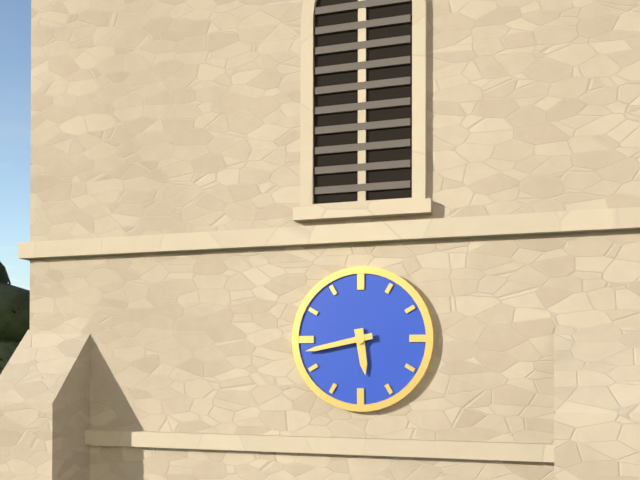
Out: 5h43
